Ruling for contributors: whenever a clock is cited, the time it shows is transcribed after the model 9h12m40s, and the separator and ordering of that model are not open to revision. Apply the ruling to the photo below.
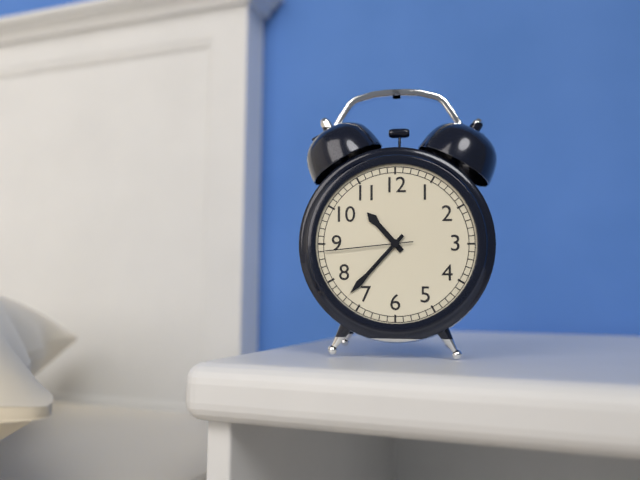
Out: 10h37m44s
